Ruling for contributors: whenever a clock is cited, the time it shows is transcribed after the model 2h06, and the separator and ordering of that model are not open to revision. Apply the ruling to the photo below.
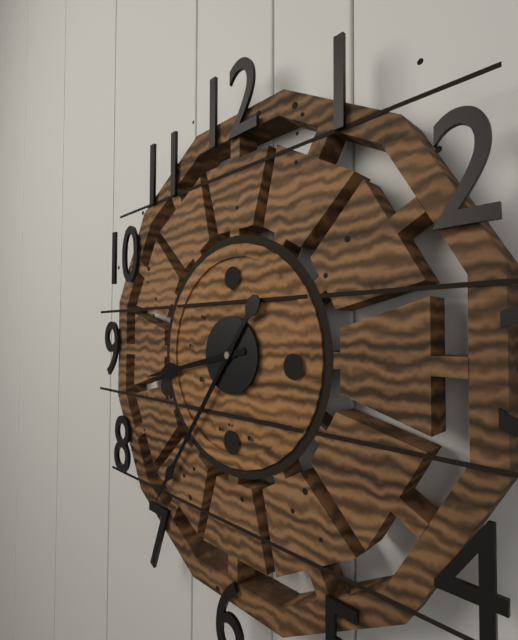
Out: 8h36
